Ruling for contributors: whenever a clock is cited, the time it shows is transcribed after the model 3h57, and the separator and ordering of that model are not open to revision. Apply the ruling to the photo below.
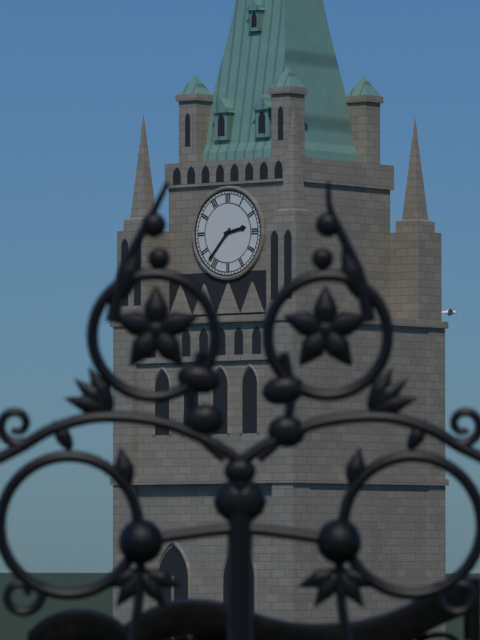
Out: 2h37
